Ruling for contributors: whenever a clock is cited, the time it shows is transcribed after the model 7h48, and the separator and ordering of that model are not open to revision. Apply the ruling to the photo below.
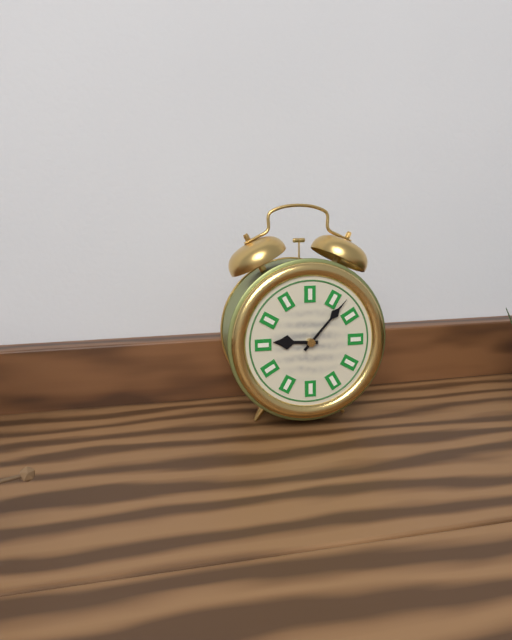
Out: 9h07
